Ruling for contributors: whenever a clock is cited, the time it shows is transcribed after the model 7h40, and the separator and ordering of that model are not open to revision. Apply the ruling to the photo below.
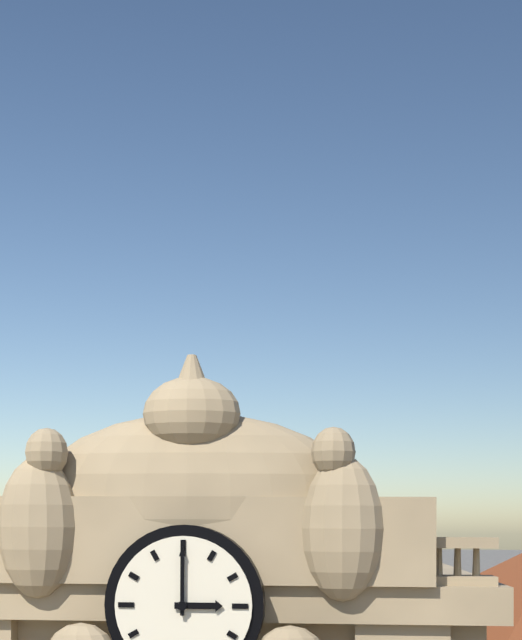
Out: 3h00
